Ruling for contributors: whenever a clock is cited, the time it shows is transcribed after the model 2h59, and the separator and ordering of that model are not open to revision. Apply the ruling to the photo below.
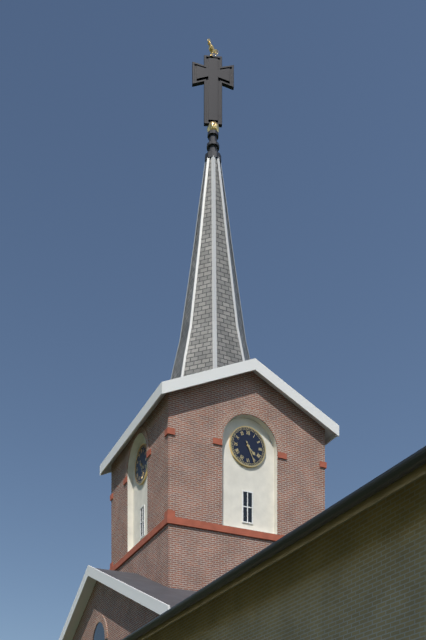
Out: 4h26
